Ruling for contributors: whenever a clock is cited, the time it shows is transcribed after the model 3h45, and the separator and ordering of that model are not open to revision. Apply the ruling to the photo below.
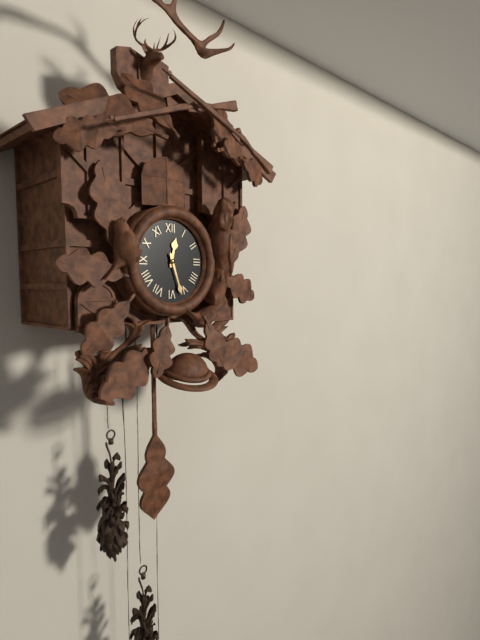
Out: 12h27
